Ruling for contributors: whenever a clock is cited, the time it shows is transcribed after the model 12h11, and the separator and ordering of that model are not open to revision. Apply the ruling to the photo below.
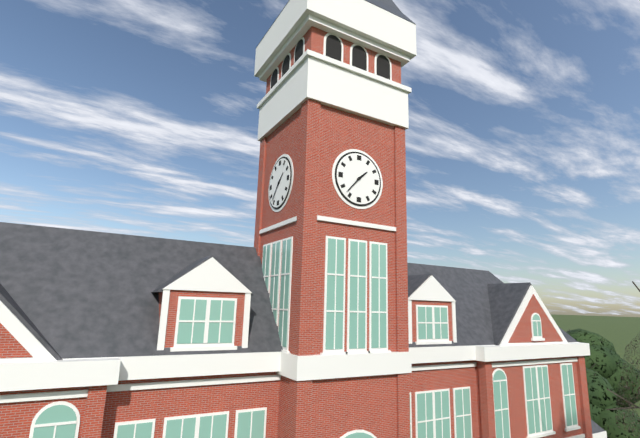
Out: 1h37
